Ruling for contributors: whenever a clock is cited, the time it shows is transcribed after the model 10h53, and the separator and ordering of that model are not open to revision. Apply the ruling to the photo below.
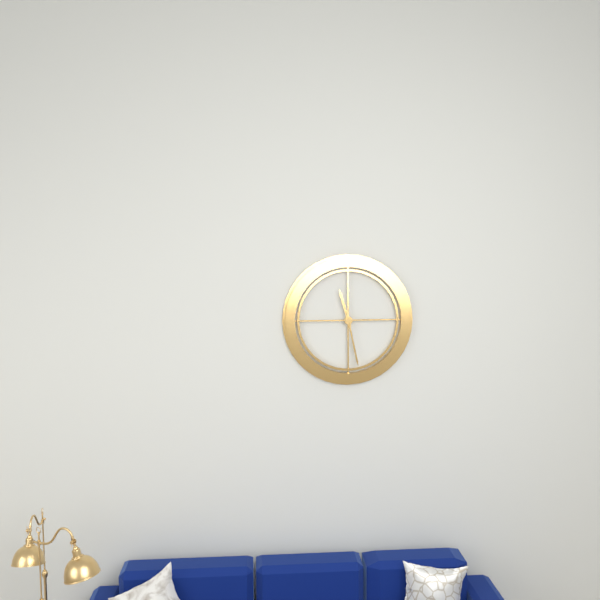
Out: 11h28
